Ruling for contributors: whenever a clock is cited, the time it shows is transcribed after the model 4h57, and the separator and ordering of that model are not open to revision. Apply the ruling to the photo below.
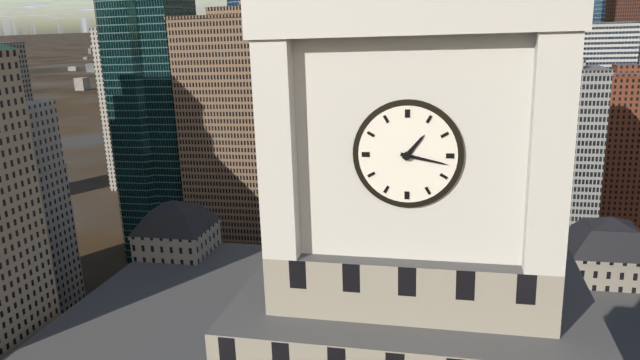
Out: 1h17
